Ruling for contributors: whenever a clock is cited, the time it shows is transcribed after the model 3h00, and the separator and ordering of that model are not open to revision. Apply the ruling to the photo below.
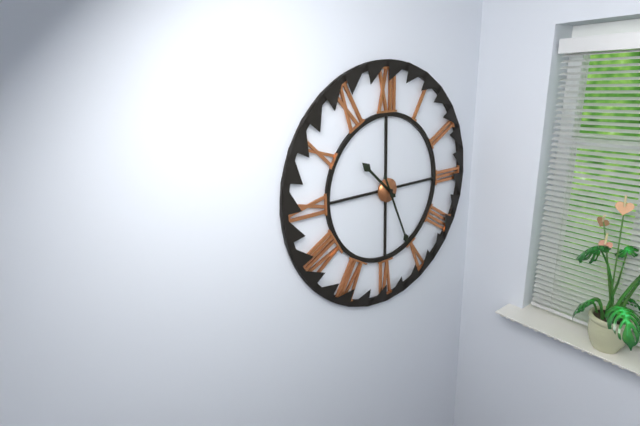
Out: 10h26
